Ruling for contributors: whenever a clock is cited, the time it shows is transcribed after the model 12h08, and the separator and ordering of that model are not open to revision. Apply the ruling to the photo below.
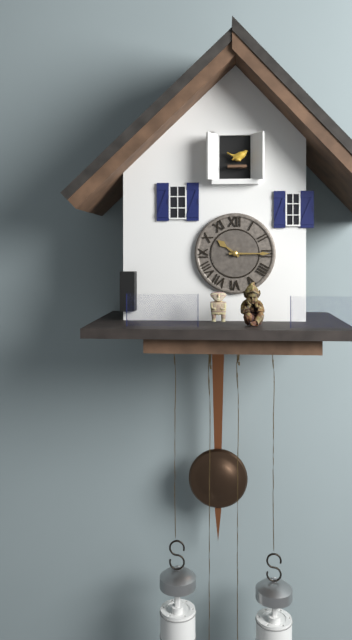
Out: 10h15
